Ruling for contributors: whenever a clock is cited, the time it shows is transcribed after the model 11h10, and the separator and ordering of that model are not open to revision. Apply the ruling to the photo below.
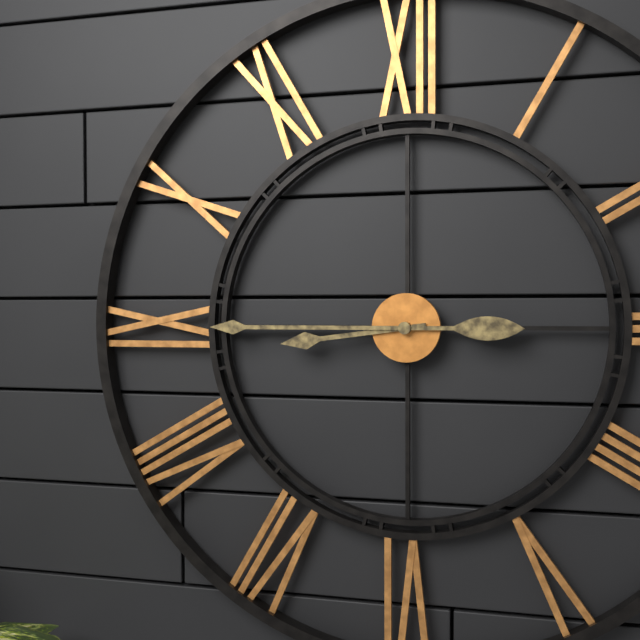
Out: 8h45
